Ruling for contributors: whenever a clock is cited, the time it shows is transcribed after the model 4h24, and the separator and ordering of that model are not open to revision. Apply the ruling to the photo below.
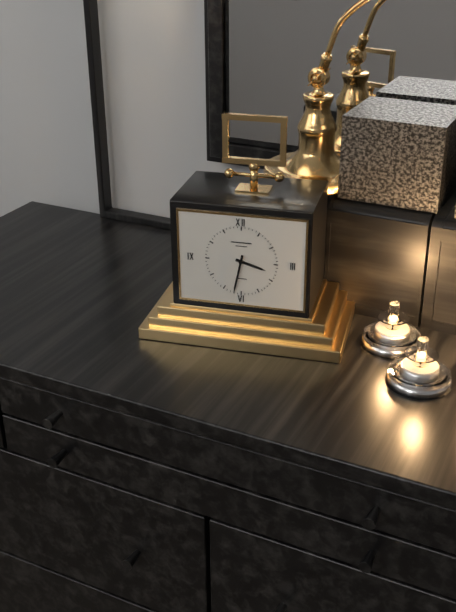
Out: 3h32
